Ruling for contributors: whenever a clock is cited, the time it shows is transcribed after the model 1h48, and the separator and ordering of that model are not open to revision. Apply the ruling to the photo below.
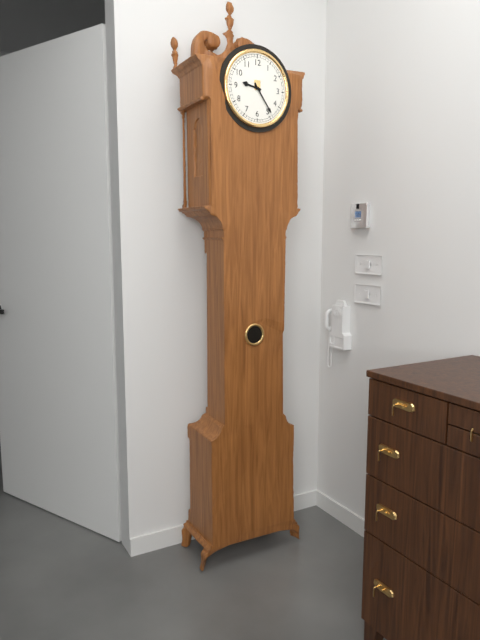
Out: 9h24
